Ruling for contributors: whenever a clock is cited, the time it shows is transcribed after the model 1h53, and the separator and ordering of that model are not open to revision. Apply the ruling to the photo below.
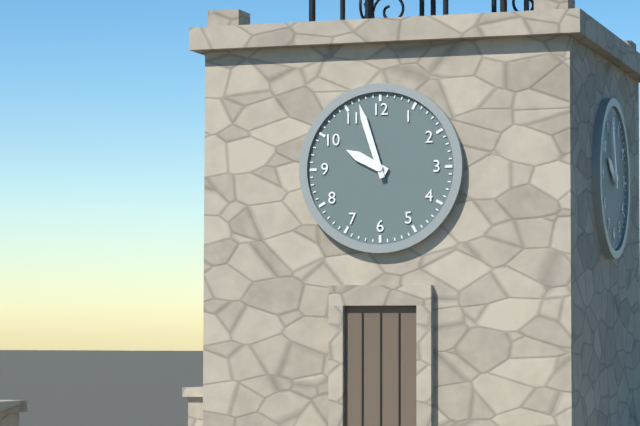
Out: 9h57
